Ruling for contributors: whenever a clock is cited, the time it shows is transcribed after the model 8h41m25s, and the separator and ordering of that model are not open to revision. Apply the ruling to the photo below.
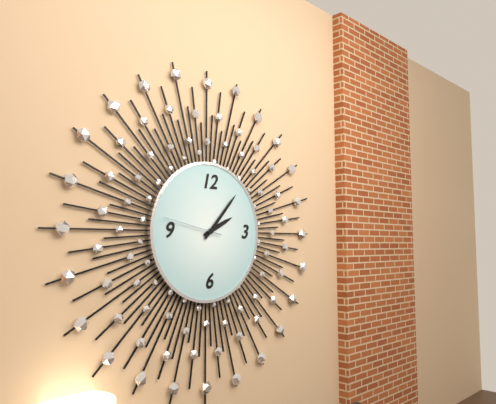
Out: 2h07m47s
